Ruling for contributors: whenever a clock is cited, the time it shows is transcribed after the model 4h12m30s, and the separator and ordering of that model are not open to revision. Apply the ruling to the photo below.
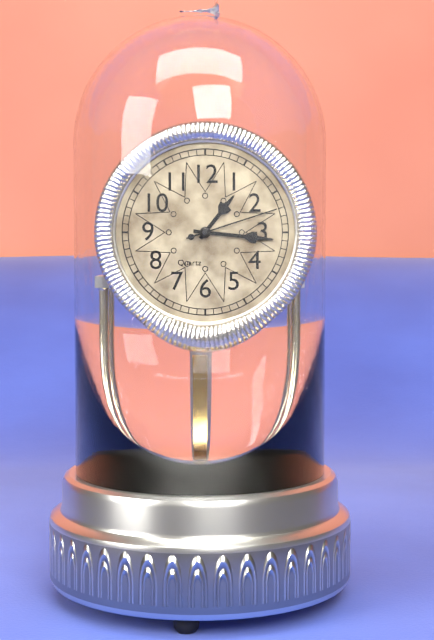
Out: 1h16m12s
